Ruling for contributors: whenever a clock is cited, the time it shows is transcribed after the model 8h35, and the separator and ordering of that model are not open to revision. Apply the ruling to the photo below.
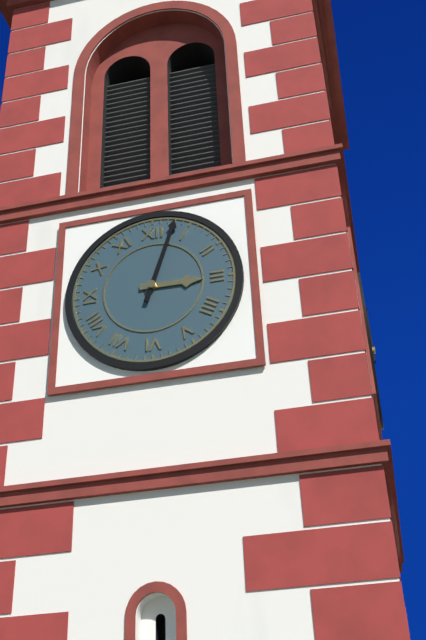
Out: 3h03
